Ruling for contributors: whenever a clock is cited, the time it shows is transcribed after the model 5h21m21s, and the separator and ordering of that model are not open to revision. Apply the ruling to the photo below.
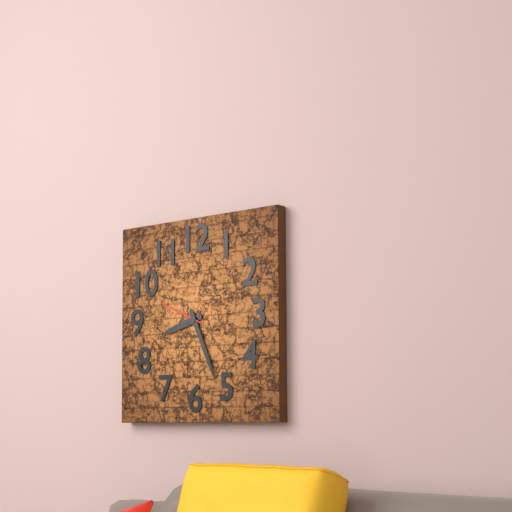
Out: 8h26m49s
